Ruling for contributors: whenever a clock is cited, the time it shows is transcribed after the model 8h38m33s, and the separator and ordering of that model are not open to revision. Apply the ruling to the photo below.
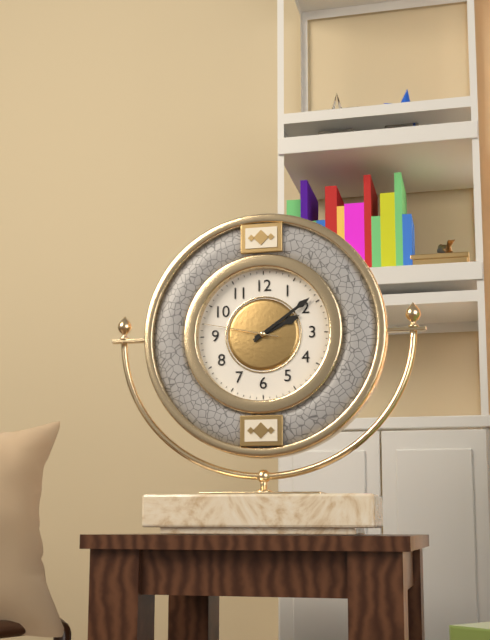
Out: 2h09m47s
